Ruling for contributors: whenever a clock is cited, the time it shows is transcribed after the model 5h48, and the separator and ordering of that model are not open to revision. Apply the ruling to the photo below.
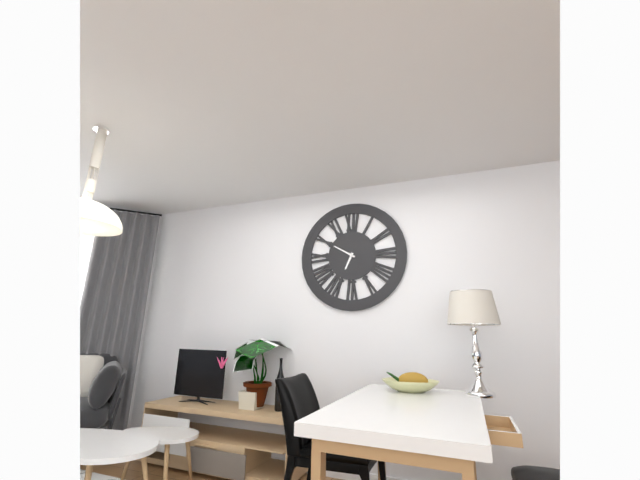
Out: 6h50
